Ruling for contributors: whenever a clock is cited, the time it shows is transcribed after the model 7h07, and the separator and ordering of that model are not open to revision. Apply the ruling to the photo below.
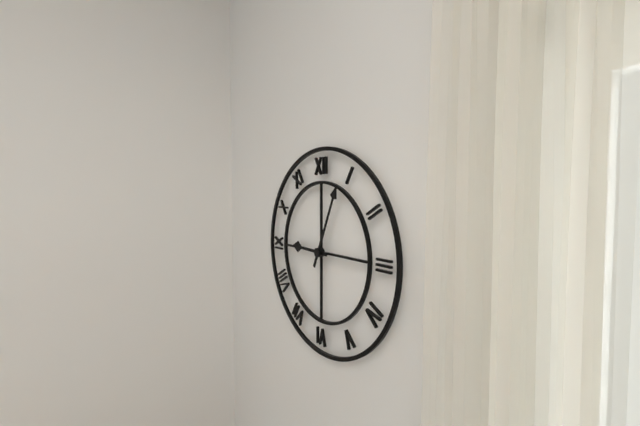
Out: 9h04
